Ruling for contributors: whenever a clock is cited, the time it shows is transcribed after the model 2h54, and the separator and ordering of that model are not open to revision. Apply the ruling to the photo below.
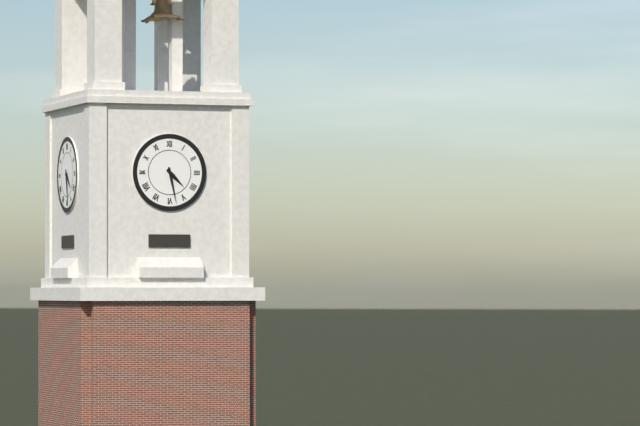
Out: 4h28
